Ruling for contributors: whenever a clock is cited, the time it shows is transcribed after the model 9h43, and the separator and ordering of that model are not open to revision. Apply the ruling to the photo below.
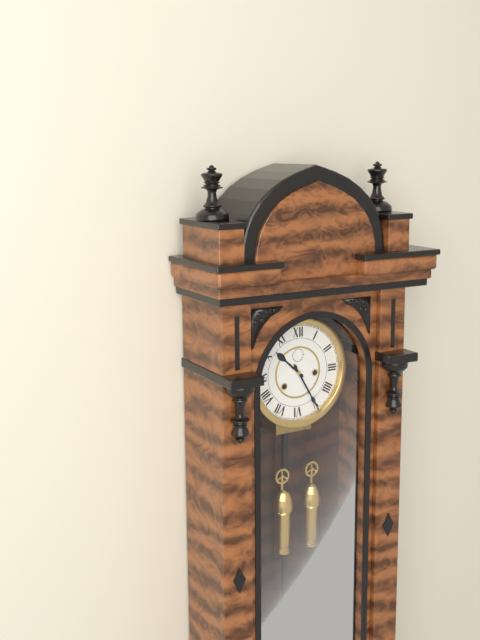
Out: 10h25
